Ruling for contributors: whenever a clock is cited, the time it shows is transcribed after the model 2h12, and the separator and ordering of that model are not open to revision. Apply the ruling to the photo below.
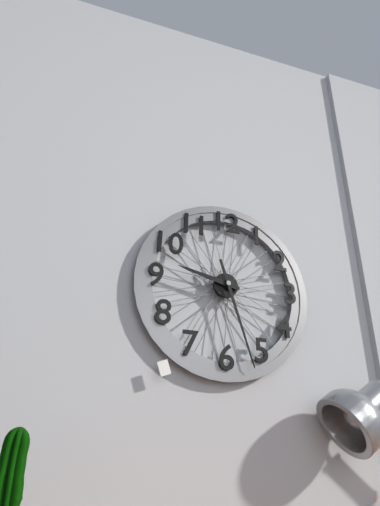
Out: 9h27
